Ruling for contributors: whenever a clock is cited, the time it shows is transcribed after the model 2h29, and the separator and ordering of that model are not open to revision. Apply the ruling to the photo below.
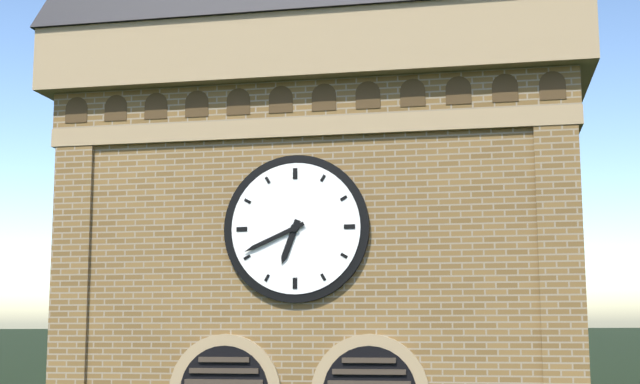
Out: 6h41
